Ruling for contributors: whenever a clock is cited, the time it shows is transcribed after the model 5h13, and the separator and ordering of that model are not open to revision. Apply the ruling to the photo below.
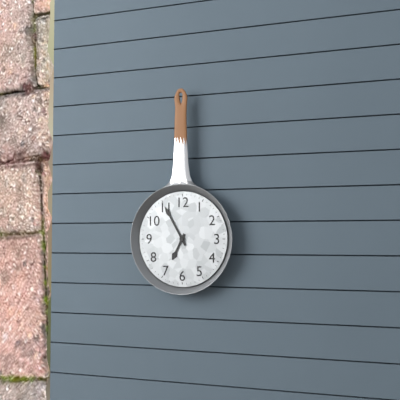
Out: 6h55
